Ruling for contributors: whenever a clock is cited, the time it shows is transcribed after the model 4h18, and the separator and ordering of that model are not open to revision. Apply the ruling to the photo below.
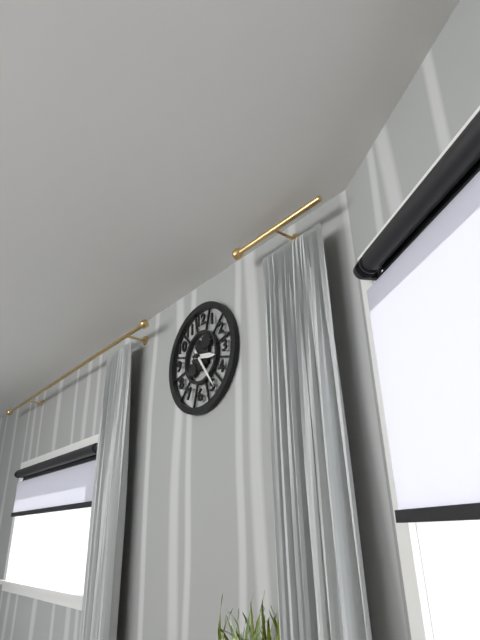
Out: 3h24
